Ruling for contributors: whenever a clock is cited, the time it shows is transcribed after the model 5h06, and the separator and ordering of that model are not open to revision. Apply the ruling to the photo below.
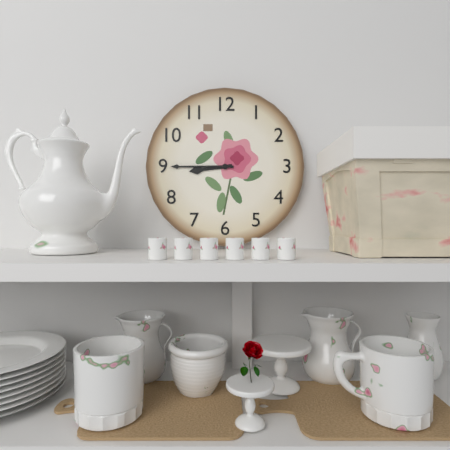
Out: 8h45
